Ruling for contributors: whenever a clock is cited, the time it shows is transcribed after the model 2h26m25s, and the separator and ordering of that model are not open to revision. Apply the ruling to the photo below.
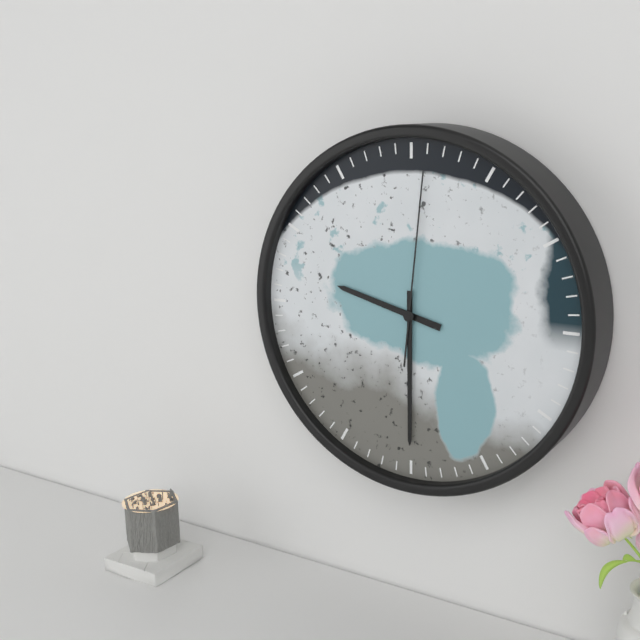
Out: 9h30m01s
